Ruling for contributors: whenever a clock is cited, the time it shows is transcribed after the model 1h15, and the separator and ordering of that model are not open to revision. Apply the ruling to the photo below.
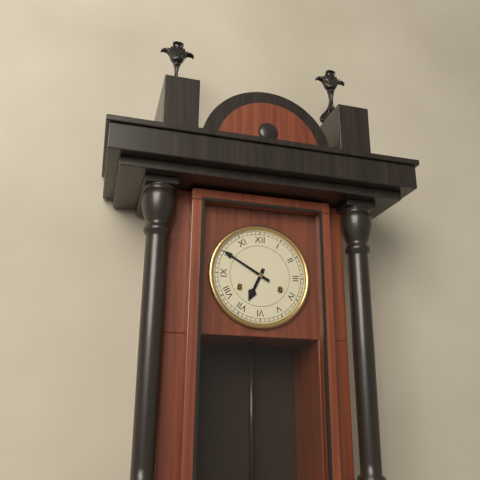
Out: 6h50
